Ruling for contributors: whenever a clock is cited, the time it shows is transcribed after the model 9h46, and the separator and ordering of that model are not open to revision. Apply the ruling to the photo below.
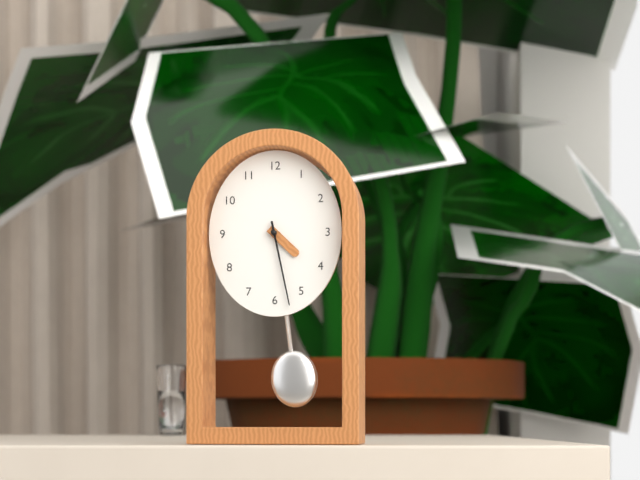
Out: 4h28
